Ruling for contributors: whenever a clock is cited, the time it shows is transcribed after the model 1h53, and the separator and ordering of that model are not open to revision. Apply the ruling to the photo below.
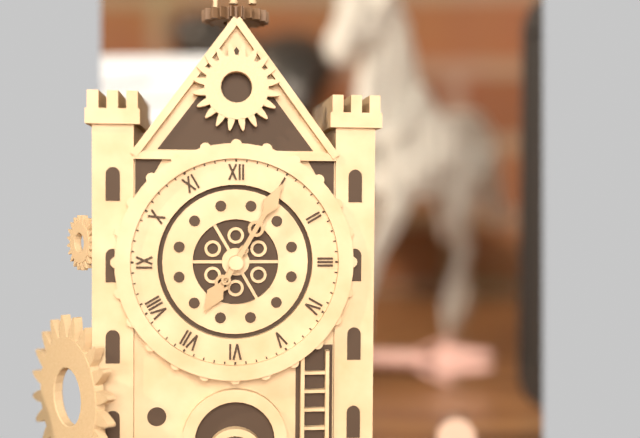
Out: 7h05
